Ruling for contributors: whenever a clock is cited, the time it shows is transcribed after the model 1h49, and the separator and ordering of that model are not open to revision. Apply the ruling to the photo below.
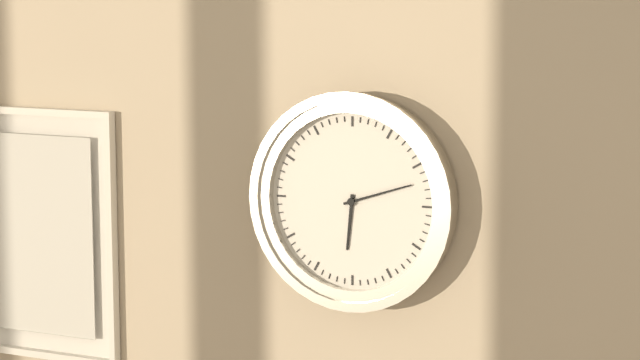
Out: 6h12
